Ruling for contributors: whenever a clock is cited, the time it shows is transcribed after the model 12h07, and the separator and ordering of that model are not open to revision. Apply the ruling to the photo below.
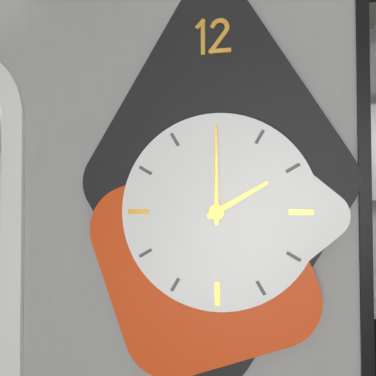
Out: 2h00
